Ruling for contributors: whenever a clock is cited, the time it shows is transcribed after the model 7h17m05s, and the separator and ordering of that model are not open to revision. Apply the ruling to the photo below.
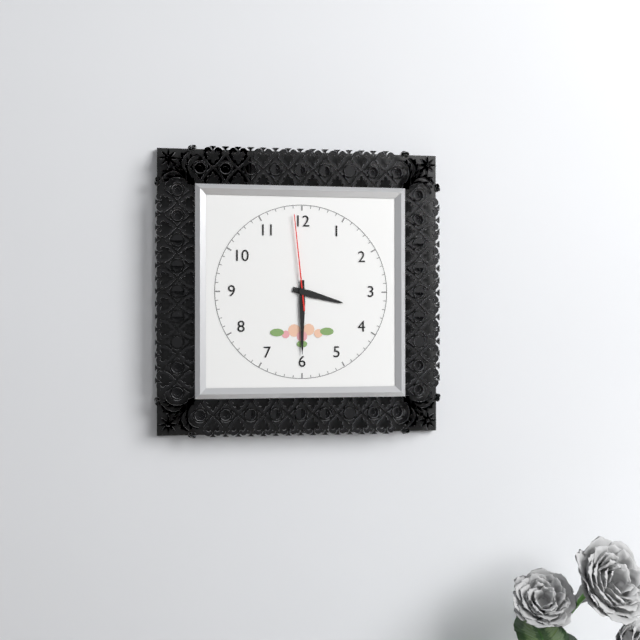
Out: 3h30m59s
